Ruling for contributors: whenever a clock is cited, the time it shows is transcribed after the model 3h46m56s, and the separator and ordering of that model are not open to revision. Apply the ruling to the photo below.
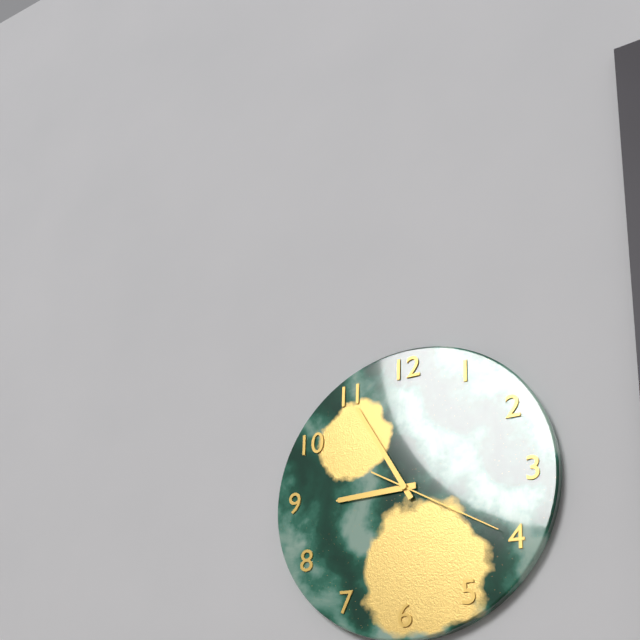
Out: 8h55m20s
